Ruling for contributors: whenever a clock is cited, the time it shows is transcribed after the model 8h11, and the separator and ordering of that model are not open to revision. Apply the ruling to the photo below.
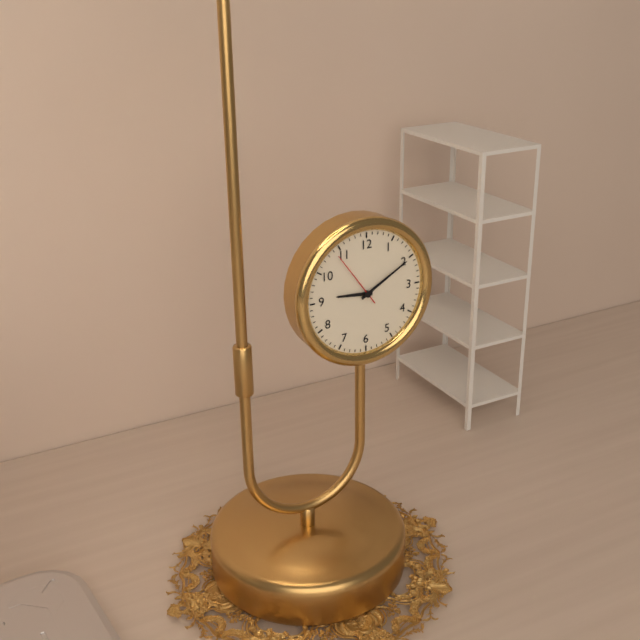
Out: 9h10
